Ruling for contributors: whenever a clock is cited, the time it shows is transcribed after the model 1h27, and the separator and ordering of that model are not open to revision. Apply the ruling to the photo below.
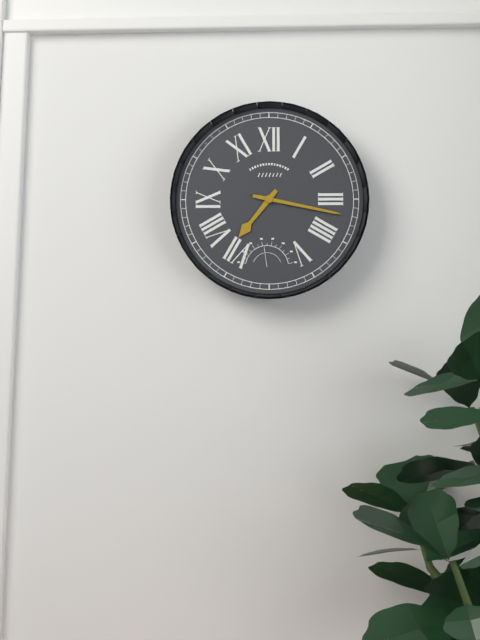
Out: 7h17
